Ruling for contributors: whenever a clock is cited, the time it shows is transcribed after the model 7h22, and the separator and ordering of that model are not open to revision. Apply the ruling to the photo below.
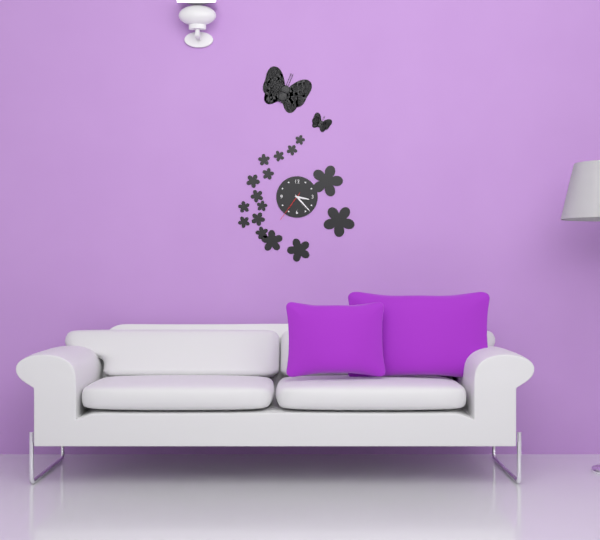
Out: 3h23
